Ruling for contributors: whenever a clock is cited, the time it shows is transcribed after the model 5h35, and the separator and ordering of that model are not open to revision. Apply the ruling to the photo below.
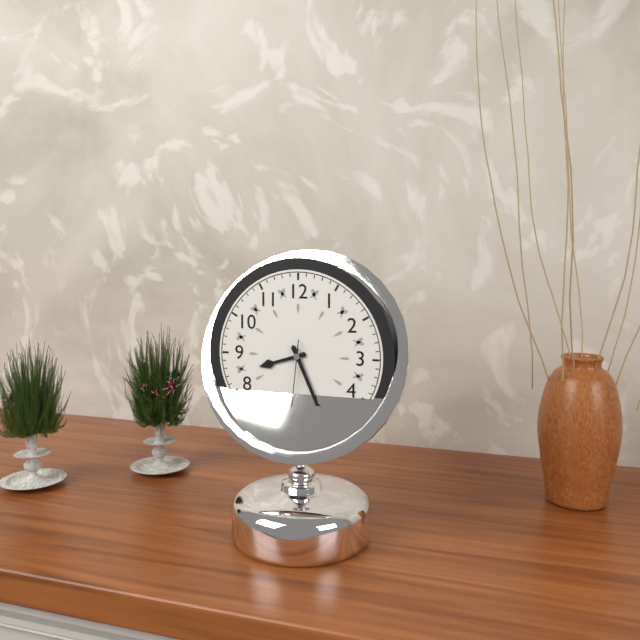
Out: 8h26
